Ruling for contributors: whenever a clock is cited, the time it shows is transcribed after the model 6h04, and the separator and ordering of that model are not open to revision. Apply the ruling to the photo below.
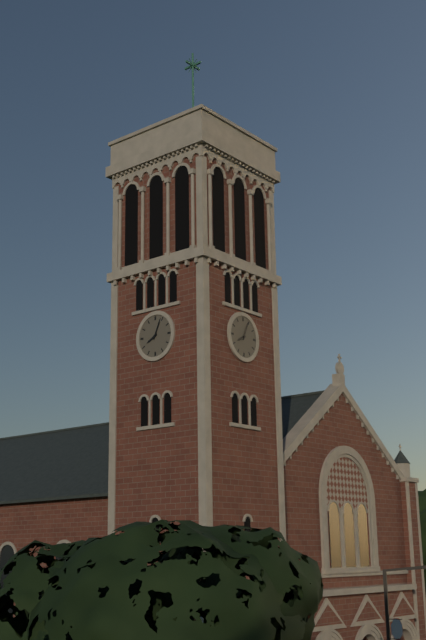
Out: 8h04
